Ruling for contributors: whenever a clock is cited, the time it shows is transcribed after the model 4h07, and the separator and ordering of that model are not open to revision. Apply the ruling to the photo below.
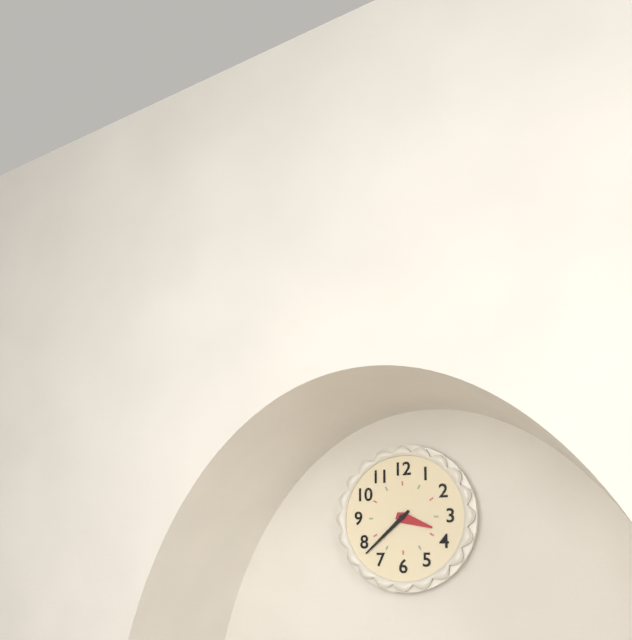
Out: 3h38
